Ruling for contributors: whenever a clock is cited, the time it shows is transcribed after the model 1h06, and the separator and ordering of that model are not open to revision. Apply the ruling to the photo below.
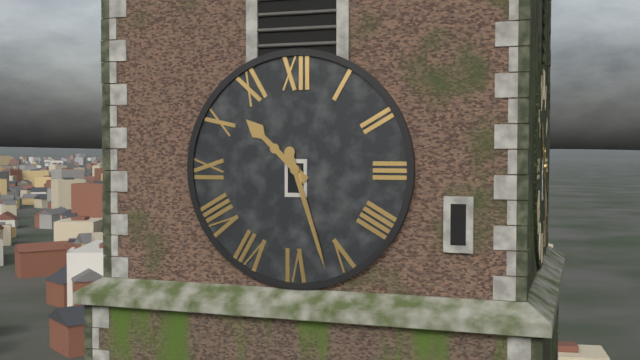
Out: 10h27
